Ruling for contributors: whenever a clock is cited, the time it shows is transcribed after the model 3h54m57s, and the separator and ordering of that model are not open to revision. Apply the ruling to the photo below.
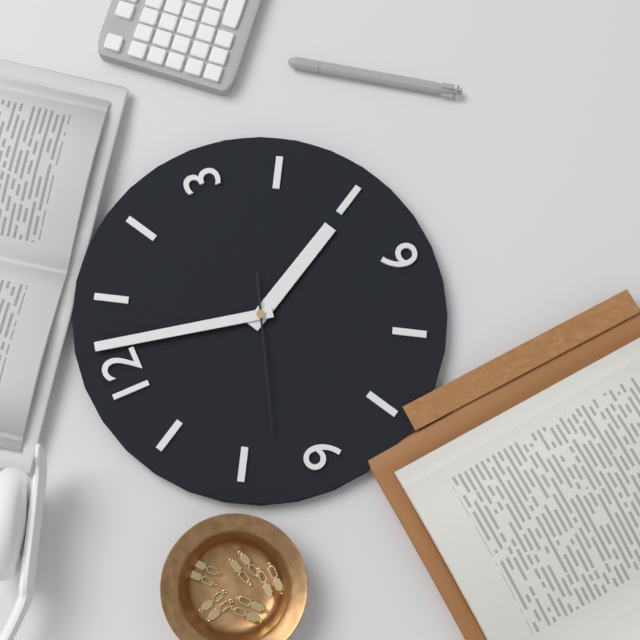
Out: 5h02m48s
